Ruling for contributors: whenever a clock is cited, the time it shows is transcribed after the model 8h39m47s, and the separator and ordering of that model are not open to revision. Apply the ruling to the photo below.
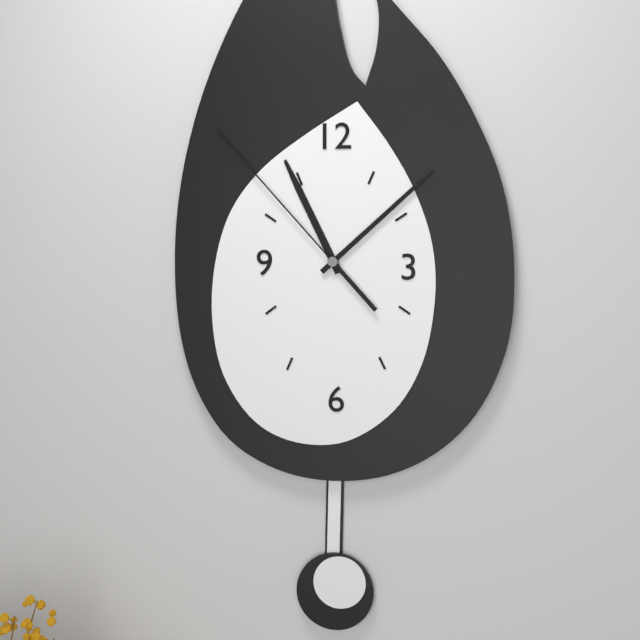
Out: 11h08m53s
